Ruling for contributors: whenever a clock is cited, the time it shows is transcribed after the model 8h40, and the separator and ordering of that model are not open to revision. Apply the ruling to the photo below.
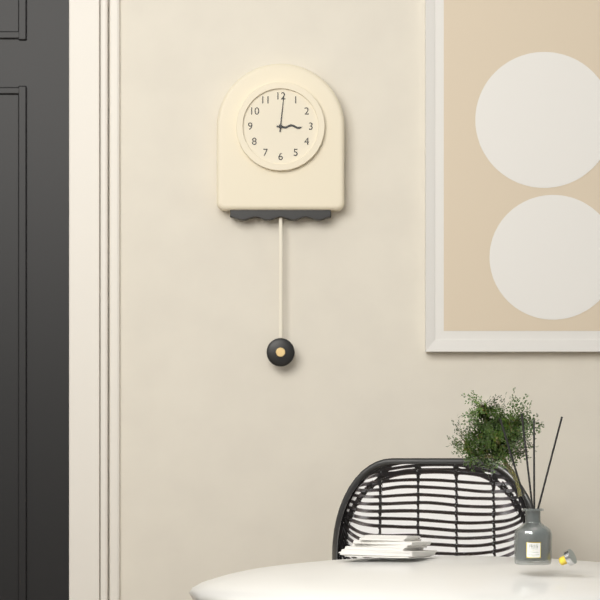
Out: 3h01
